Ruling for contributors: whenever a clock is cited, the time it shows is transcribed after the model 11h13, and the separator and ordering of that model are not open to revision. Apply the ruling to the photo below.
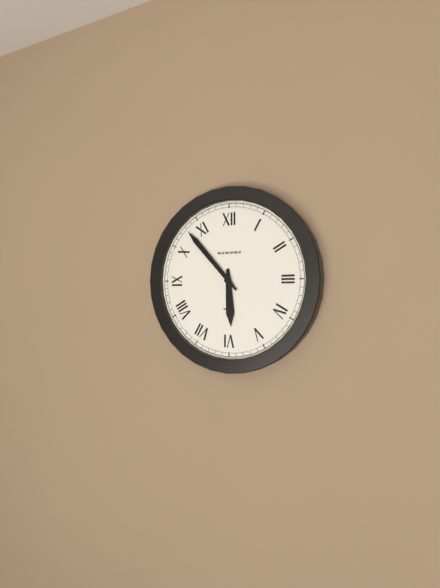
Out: 5h53
